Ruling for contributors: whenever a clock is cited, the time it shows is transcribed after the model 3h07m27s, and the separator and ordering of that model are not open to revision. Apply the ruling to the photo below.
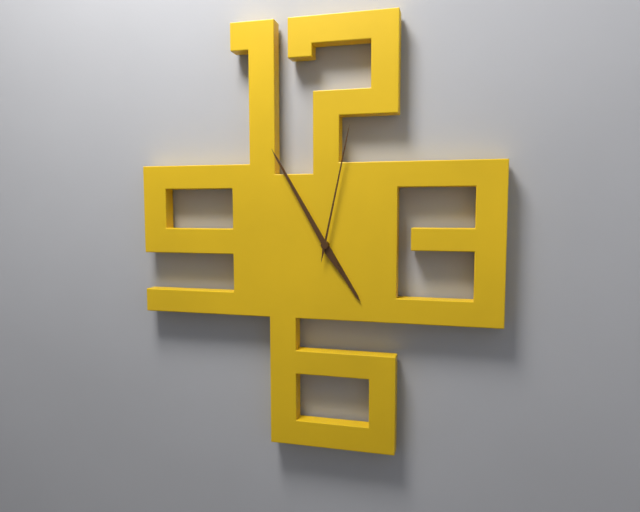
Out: 4h55m02s
